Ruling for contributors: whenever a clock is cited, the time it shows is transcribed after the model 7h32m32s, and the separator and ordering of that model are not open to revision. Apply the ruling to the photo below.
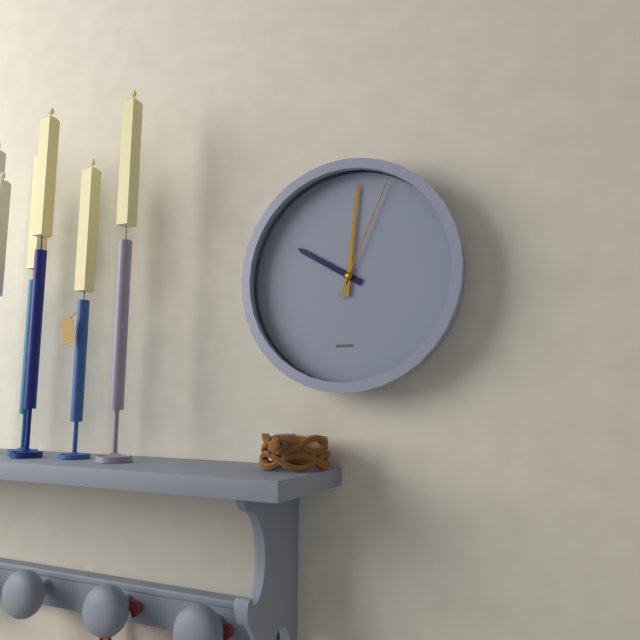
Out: 10h01m04s
